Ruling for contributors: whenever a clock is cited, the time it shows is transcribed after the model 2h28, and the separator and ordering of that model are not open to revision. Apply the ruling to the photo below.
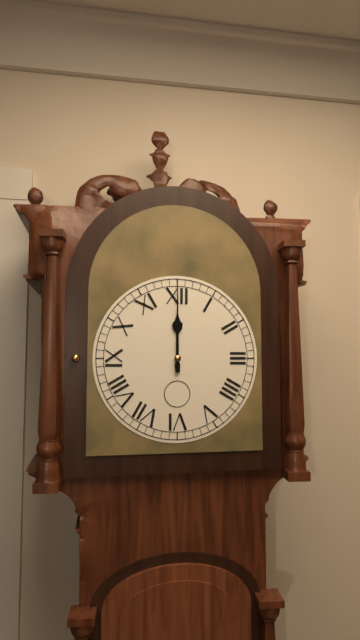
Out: 12h00
